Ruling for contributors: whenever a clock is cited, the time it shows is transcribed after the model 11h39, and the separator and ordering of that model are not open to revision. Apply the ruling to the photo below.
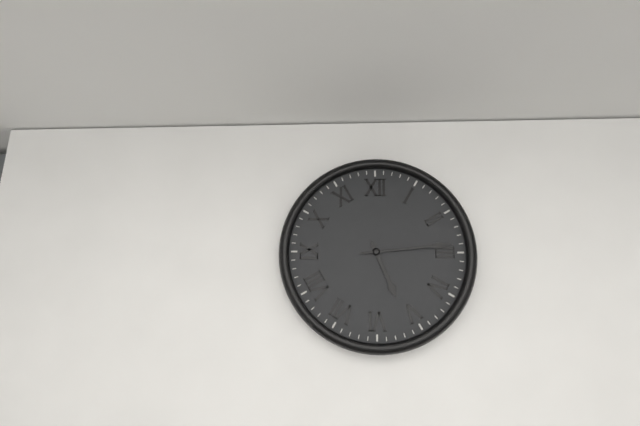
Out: 5h14
